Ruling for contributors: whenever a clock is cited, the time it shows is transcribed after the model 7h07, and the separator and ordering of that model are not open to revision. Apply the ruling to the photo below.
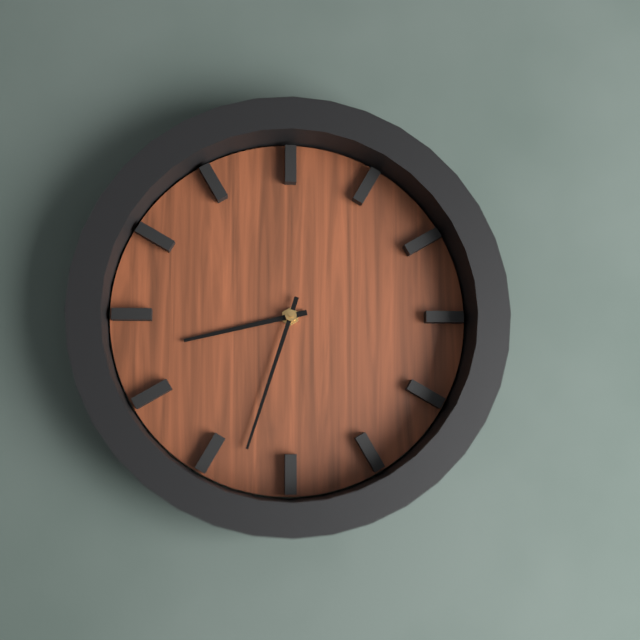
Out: 8h33
